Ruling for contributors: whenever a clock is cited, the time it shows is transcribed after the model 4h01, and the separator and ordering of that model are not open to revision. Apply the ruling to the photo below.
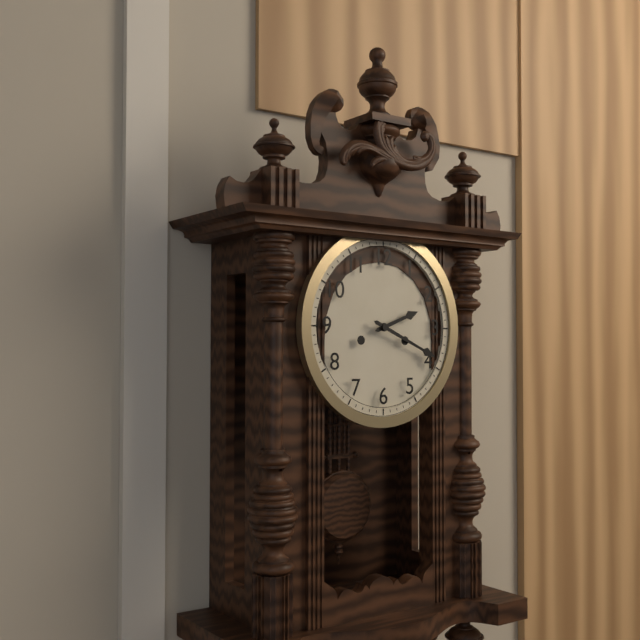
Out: 2h19
